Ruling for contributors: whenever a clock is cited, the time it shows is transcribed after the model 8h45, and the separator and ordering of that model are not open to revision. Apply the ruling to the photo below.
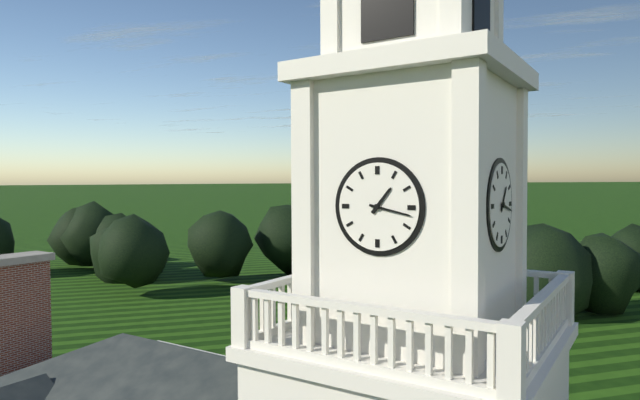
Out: 1h17
